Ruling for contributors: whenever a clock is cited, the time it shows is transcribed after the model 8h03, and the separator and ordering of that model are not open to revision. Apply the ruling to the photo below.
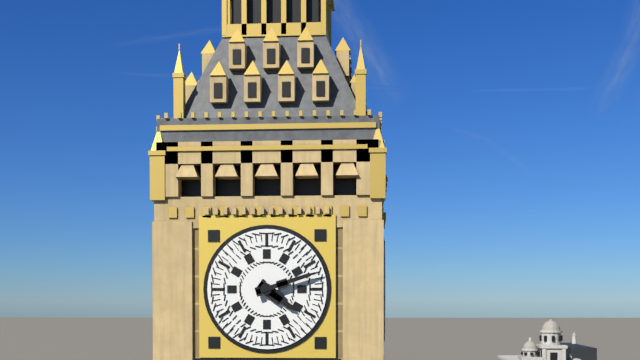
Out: 4h12
